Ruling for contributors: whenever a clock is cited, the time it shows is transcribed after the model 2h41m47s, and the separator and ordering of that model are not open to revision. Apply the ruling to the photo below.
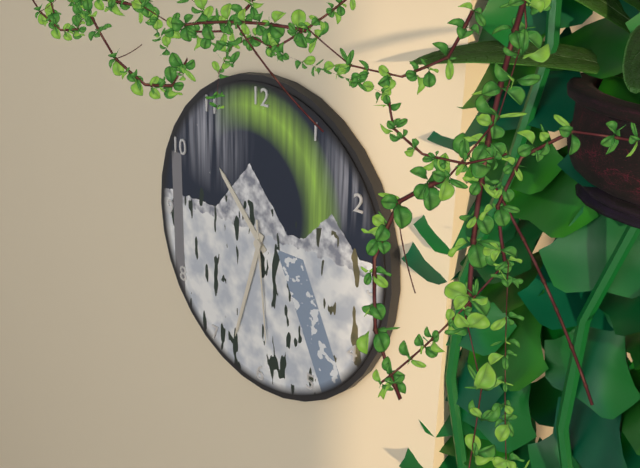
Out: 10h33m29s
